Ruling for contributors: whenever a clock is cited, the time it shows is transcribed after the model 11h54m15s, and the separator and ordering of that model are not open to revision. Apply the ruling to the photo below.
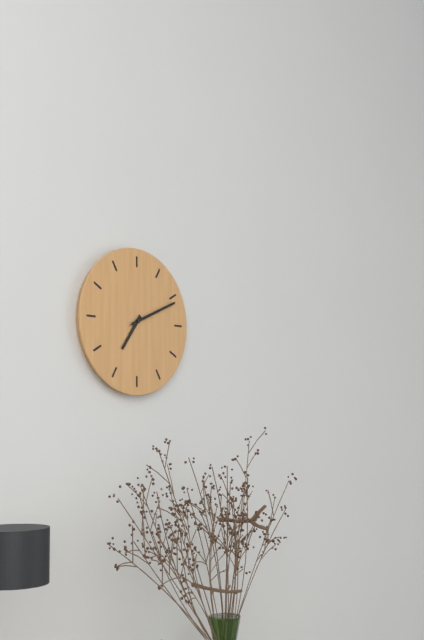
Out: 7h11m11s
